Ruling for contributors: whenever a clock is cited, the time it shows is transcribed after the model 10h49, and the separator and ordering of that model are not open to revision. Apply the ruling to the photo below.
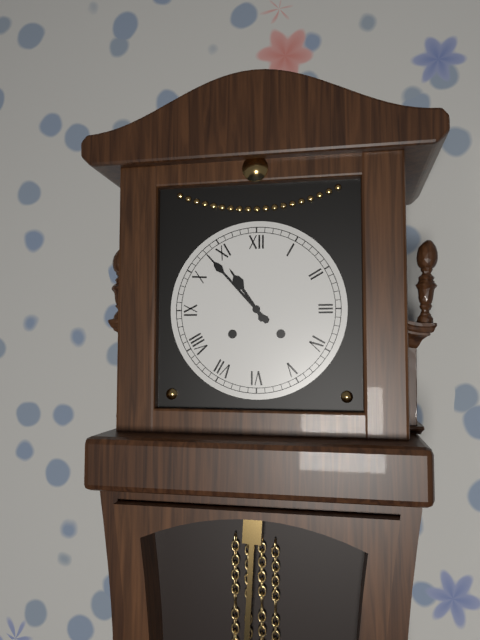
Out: 10h53
